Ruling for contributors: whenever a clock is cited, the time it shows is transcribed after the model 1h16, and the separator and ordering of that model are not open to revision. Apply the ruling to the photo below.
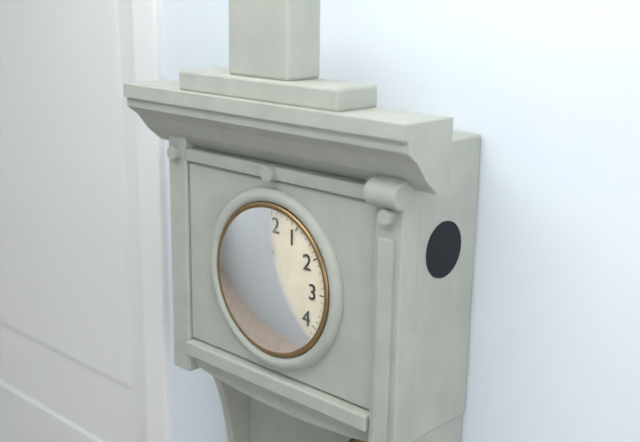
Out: 11h57
